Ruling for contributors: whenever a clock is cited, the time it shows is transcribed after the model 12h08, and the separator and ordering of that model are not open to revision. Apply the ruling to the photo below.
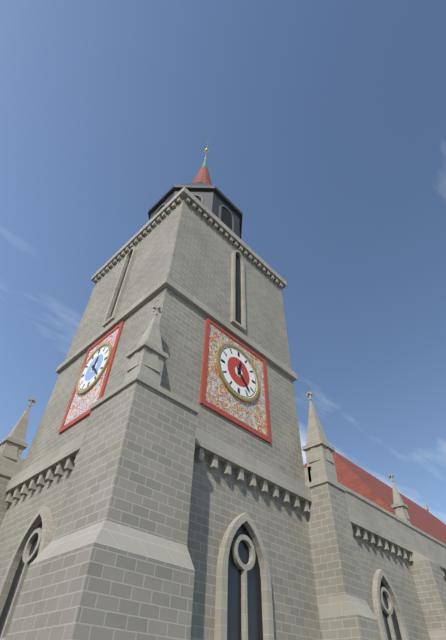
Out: 12h23
